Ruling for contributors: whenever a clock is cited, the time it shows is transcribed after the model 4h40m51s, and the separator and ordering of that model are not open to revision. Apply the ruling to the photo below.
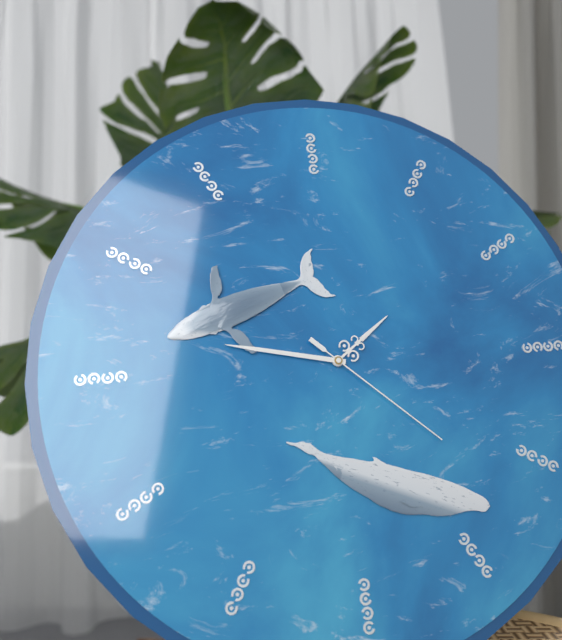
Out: 1h47m22s
